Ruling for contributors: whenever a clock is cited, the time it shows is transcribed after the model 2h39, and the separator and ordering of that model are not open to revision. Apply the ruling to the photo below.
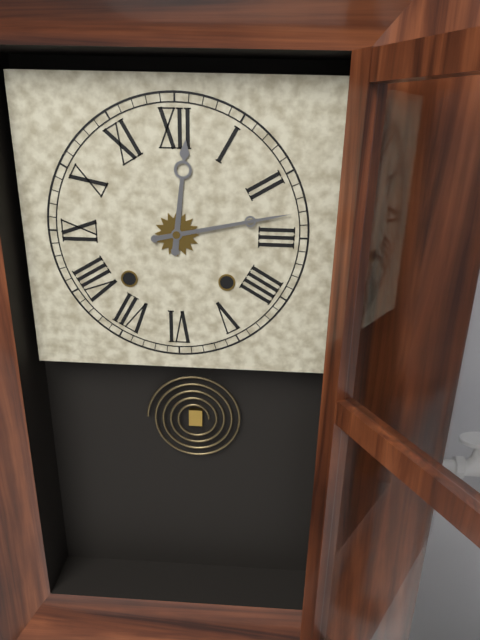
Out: 12h13
